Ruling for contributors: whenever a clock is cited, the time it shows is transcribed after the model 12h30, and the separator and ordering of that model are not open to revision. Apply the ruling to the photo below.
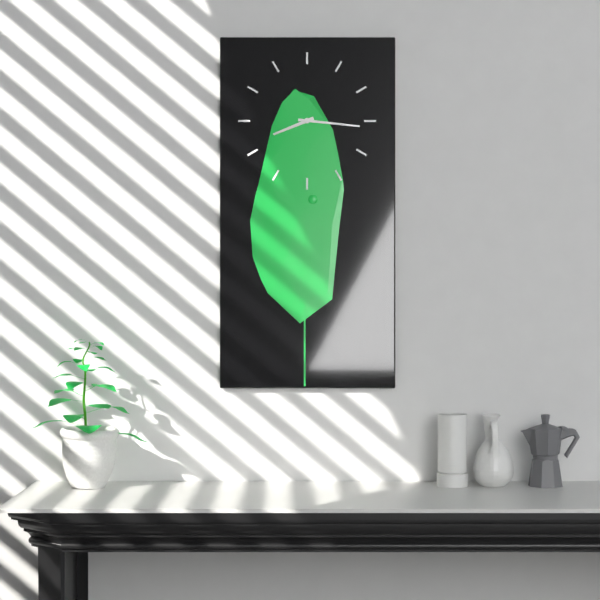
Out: 8h16
